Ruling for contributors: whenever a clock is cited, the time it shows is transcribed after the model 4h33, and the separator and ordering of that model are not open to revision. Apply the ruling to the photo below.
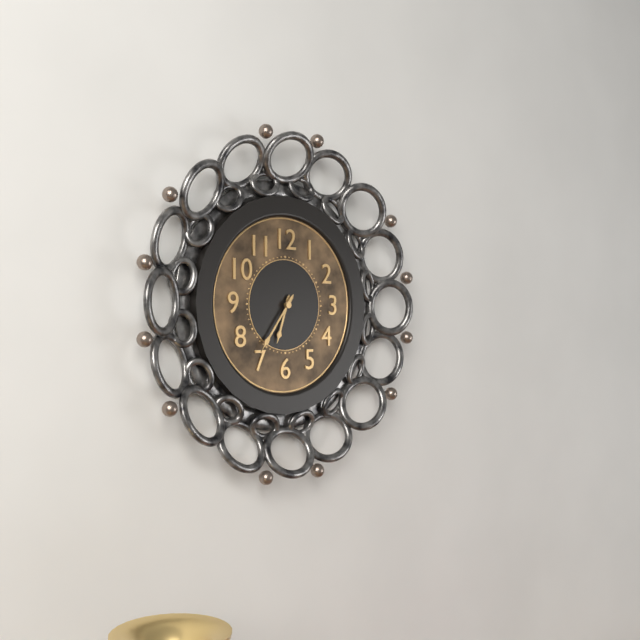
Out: 6h36
